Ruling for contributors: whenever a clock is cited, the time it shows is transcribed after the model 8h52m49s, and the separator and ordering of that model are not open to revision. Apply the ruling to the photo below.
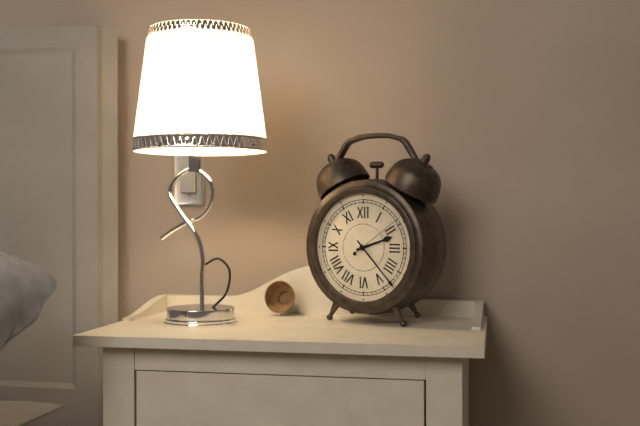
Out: 2h23m09s
